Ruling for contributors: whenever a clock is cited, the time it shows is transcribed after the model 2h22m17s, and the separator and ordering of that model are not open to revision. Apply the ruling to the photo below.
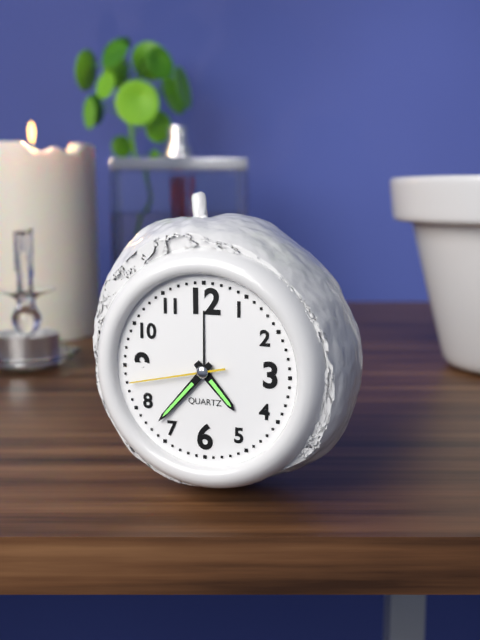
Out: 4h37m43s
